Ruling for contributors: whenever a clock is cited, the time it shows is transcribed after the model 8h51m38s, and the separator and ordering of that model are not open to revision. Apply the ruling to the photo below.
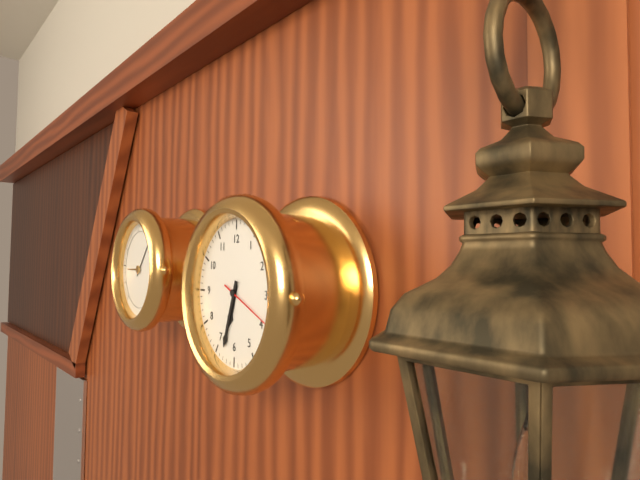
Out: 6h33m19s
